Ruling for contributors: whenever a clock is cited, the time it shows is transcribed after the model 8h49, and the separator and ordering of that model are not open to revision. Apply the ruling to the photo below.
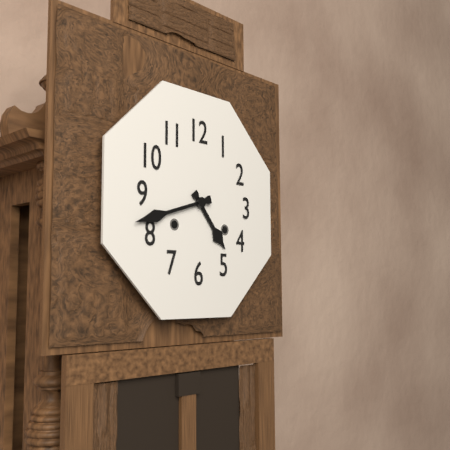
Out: 4h42
